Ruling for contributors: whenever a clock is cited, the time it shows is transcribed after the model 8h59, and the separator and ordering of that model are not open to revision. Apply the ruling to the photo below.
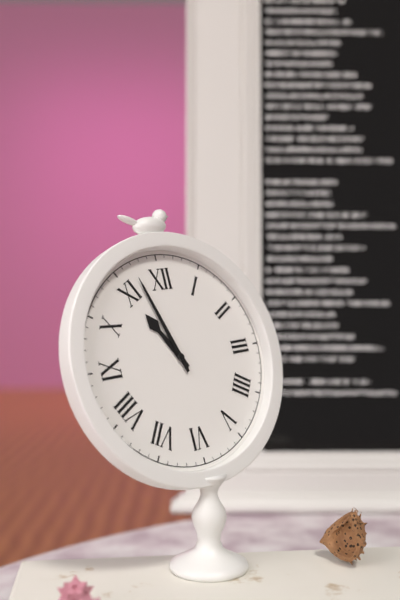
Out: 10h57
